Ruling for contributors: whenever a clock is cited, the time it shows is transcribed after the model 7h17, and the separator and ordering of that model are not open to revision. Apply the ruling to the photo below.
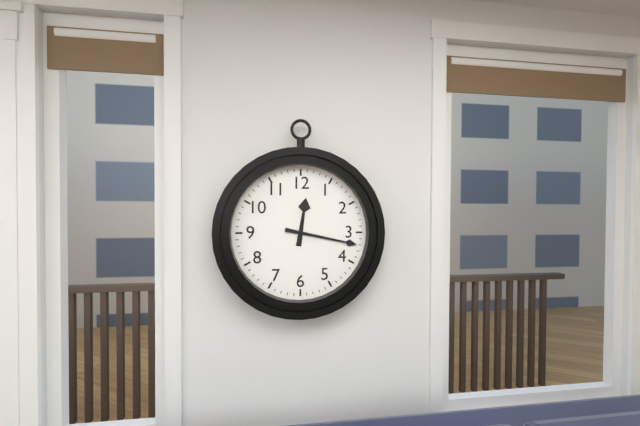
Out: 12h17
